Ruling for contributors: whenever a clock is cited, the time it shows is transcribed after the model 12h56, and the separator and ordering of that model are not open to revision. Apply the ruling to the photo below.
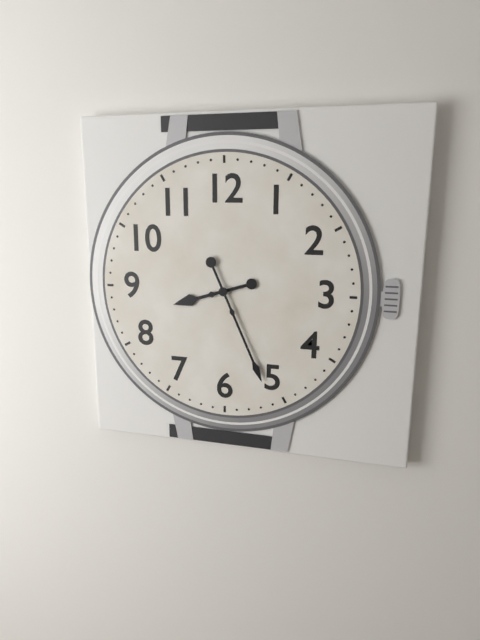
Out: 8h26
